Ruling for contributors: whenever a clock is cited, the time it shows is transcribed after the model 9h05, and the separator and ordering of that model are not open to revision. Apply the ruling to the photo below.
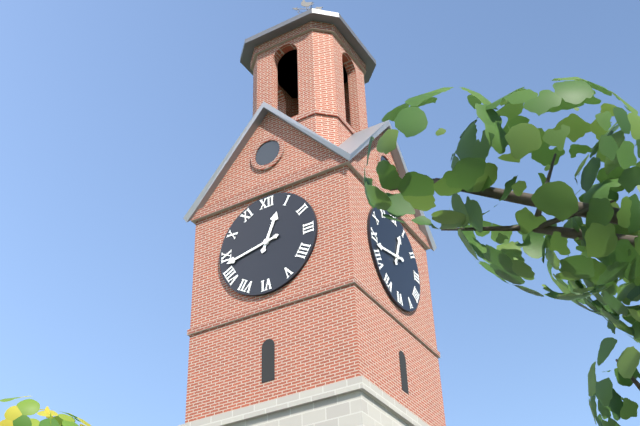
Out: 12h43
